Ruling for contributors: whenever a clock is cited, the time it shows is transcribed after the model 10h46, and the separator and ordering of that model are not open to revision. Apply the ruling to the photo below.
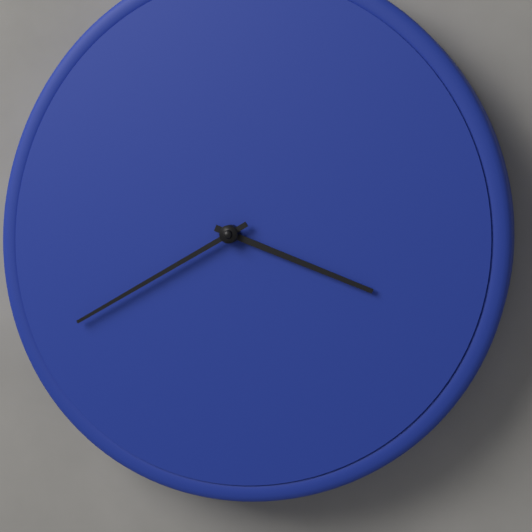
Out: 3h40
